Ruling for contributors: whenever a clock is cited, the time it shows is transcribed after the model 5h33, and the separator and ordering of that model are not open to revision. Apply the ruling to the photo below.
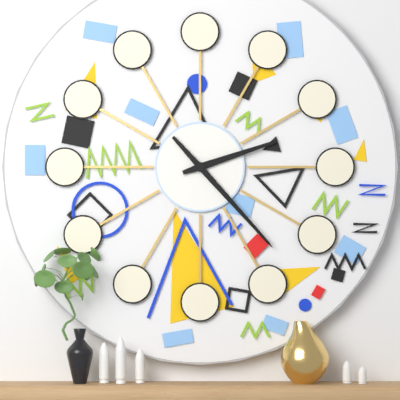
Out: 2h23
